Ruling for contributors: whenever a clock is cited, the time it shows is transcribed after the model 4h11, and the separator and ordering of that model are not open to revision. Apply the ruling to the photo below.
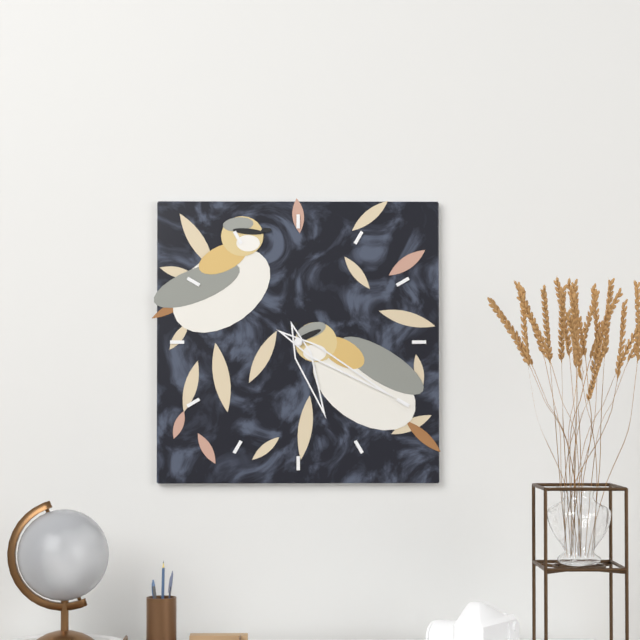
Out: 5h20
